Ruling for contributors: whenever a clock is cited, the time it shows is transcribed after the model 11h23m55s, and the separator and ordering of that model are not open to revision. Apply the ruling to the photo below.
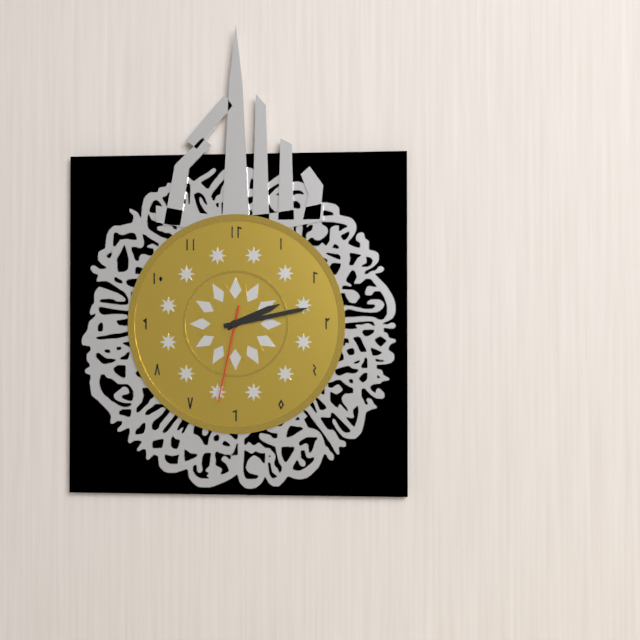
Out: 2h13m32s
